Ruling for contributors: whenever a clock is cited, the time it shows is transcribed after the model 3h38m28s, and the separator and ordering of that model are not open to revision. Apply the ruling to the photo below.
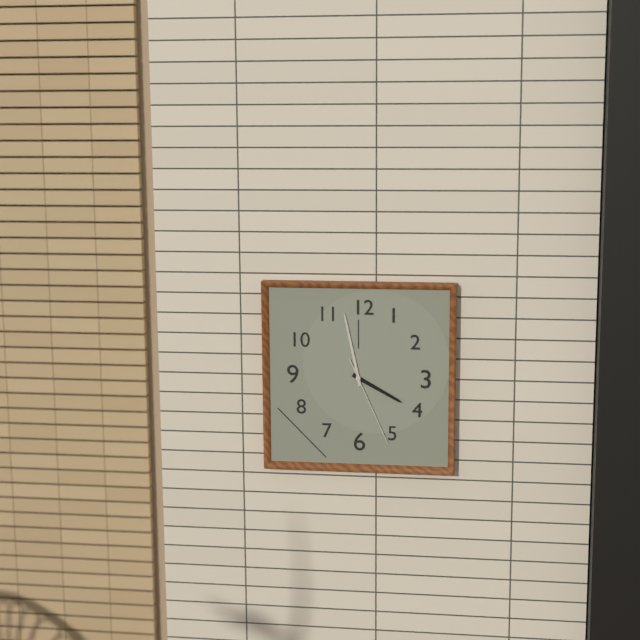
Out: 3h58m26s
